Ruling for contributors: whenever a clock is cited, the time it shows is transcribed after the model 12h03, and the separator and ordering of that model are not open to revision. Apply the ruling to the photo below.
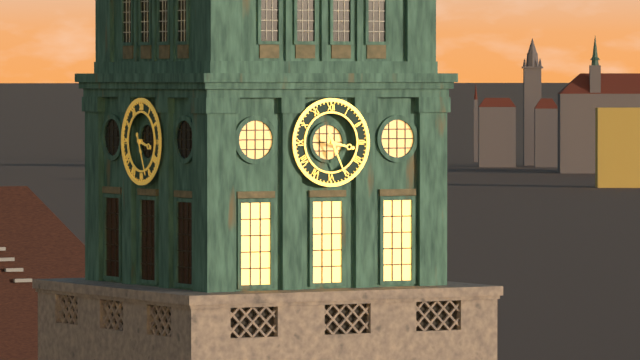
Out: 3h26
